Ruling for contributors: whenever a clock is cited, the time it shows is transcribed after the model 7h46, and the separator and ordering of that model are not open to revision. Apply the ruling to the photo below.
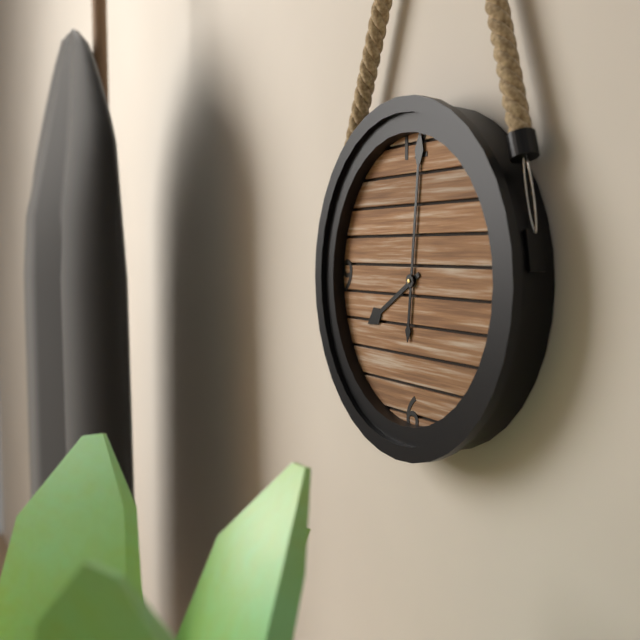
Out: 8h01
